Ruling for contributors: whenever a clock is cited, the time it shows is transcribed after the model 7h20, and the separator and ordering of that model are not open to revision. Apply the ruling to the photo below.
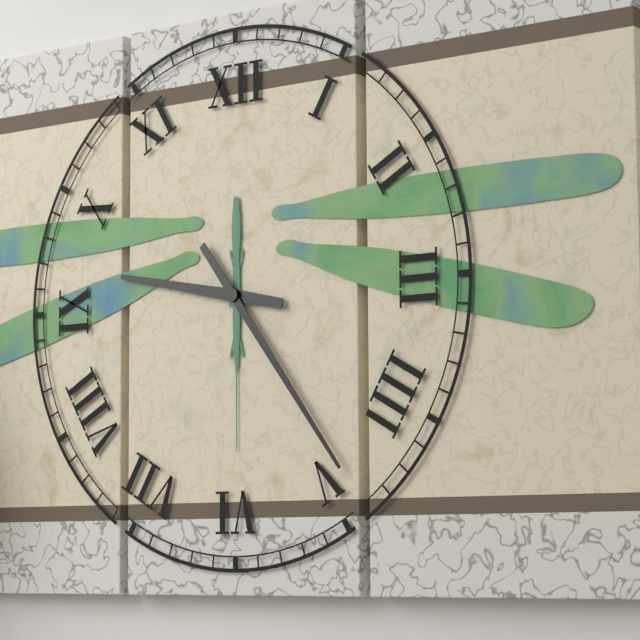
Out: 9h24
